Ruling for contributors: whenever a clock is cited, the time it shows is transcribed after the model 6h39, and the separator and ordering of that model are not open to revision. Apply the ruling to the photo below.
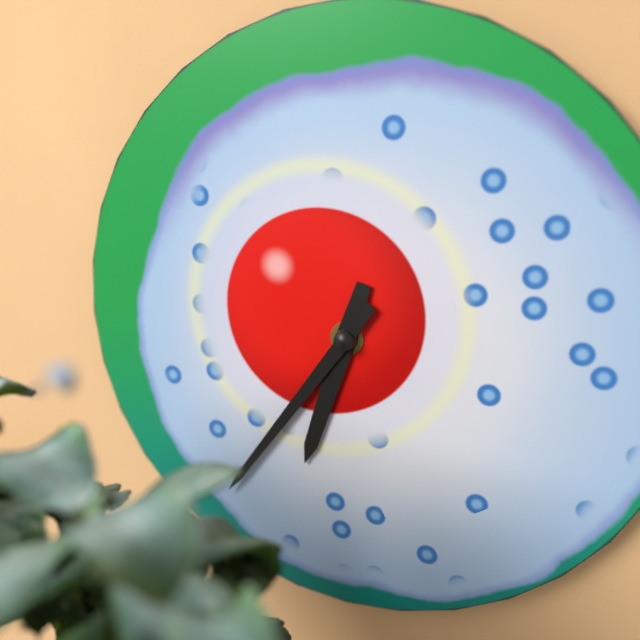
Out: 6h36
